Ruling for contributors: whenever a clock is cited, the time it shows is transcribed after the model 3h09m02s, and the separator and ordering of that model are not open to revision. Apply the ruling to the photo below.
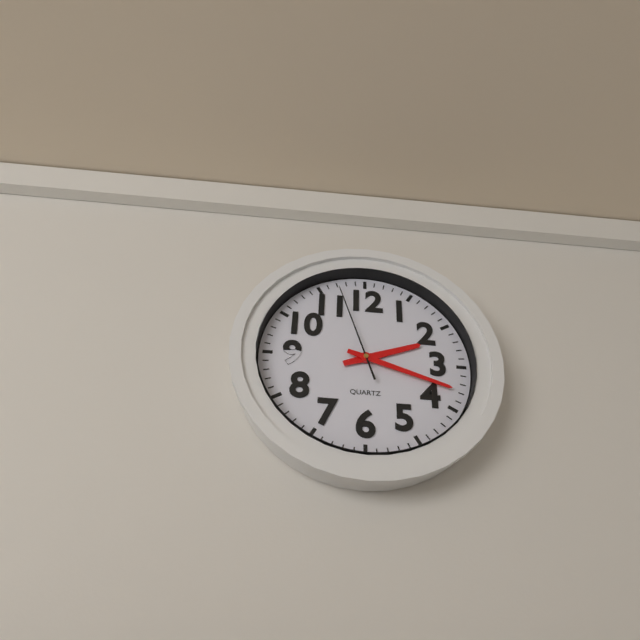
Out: 2h18m57s
